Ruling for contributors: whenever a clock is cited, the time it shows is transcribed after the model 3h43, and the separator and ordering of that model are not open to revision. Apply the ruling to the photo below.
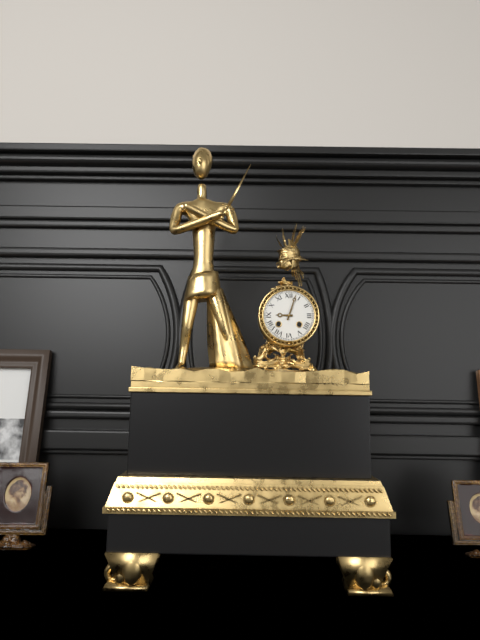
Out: 9h03
